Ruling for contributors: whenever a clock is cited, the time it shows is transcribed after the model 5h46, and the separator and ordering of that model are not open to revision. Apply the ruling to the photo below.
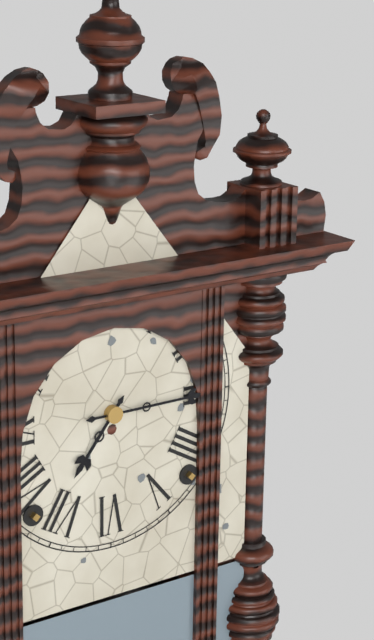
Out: 7h15
